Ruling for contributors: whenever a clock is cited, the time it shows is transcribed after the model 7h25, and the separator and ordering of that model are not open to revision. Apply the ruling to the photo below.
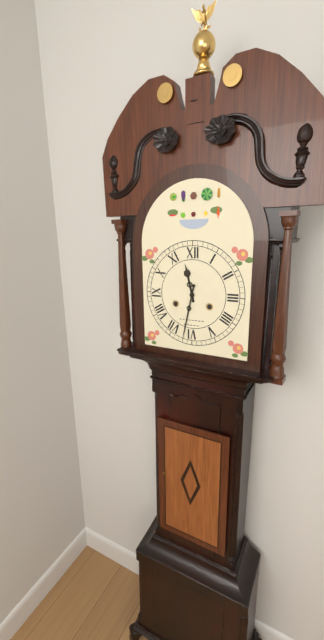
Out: 11h32
